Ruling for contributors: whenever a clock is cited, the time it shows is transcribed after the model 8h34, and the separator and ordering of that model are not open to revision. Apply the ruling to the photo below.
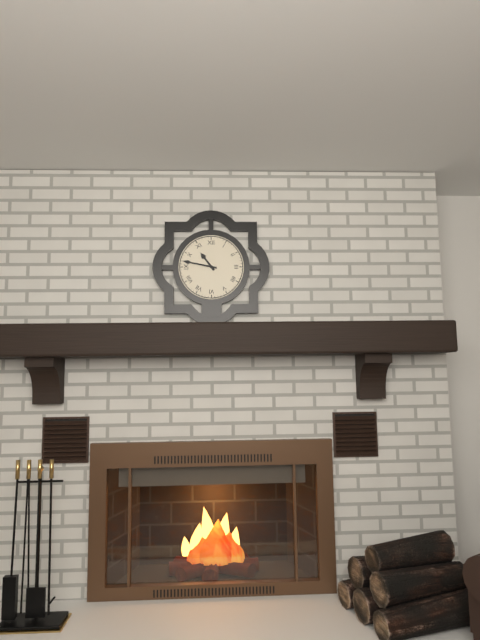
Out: 10h47
